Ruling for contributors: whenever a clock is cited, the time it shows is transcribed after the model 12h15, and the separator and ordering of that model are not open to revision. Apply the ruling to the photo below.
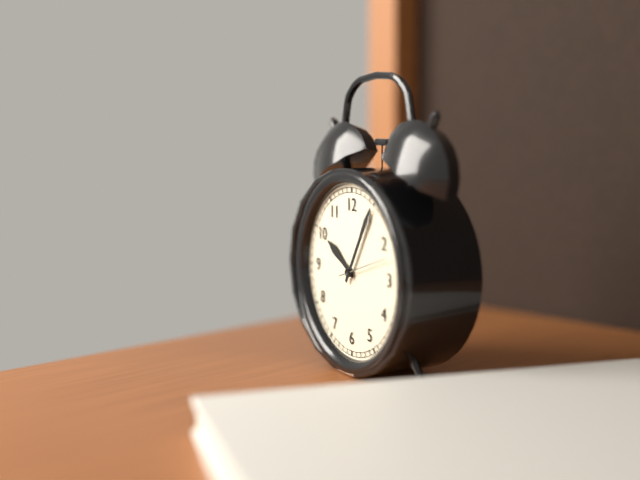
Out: 10h05
